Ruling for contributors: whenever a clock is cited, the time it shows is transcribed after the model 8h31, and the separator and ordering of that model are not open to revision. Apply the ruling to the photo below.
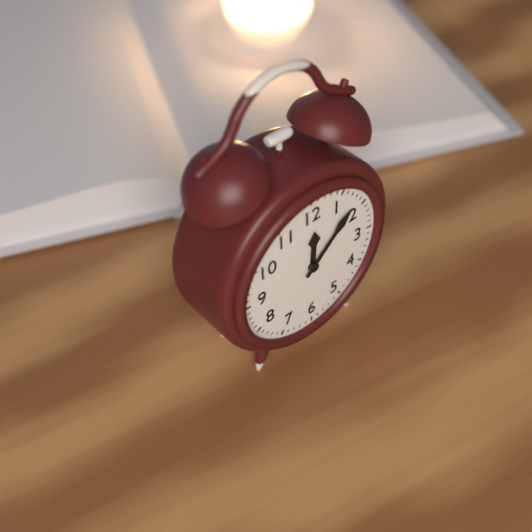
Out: 12h08
